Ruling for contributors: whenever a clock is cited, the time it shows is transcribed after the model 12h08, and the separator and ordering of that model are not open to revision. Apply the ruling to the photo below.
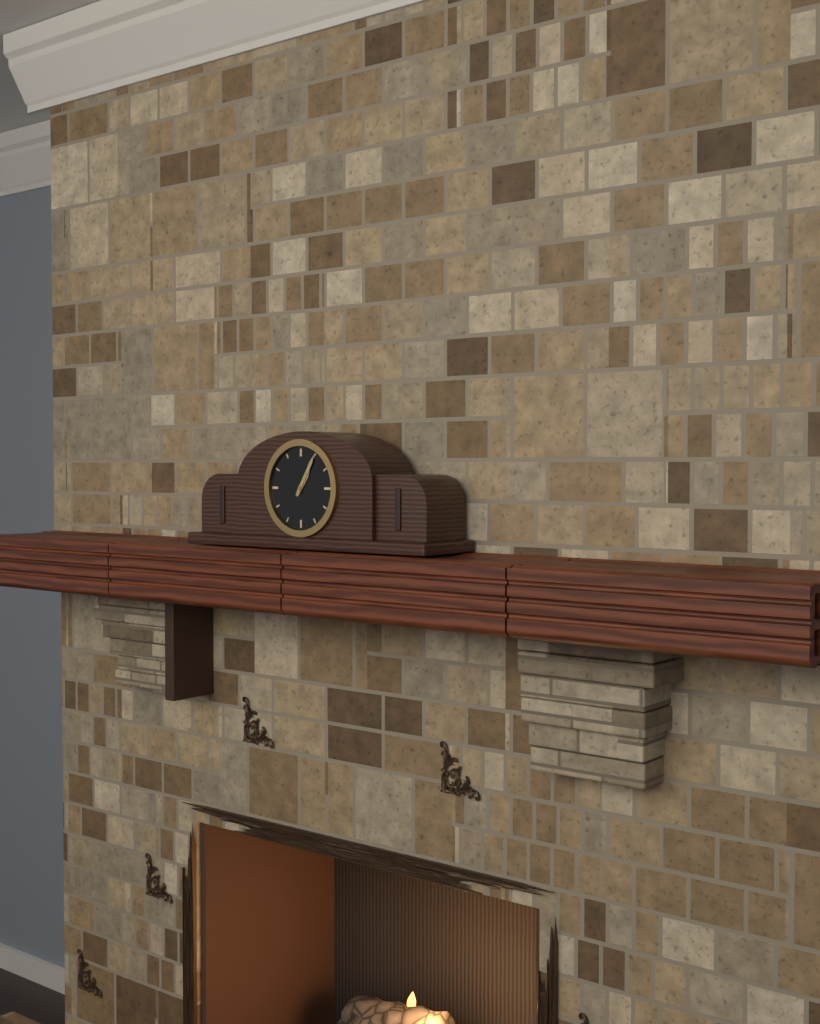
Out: 1h05
